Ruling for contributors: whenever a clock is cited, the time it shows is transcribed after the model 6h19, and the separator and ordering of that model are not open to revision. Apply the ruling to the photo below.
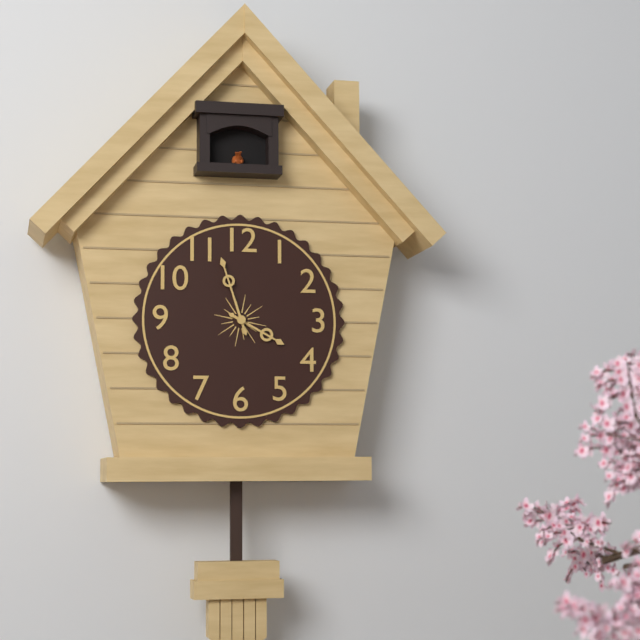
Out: 3h57
